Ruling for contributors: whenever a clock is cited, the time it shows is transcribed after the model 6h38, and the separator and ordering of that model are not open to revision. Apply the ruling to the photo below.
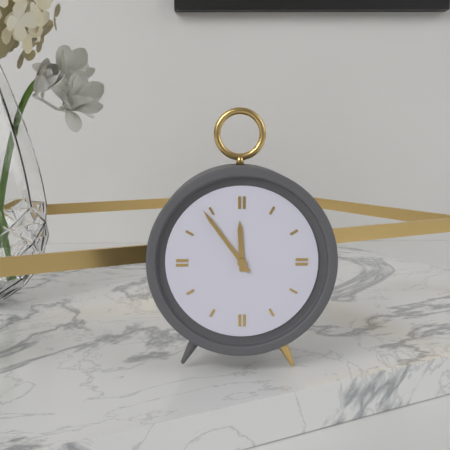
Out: 11h54
